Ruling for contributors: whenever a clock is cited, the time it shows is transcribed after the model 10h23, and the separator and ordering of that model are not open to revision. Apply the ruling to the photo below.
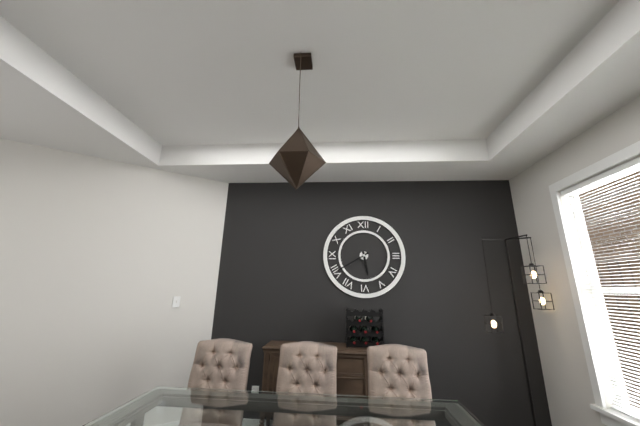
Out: 5h40
